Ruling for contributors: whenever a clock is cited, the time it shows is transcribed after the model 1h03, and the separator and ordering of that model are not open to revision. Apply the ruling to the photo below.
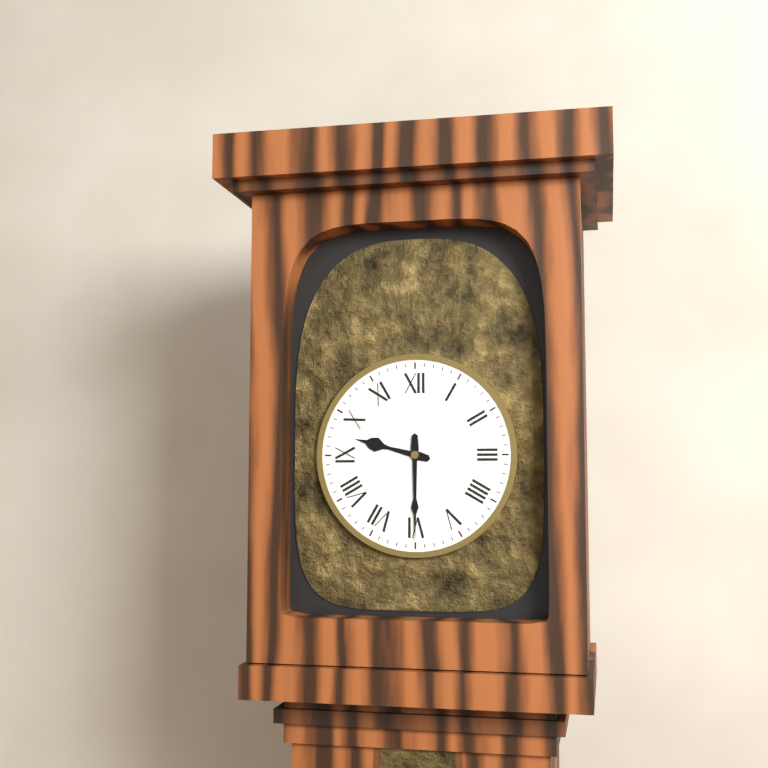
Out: 9h30
